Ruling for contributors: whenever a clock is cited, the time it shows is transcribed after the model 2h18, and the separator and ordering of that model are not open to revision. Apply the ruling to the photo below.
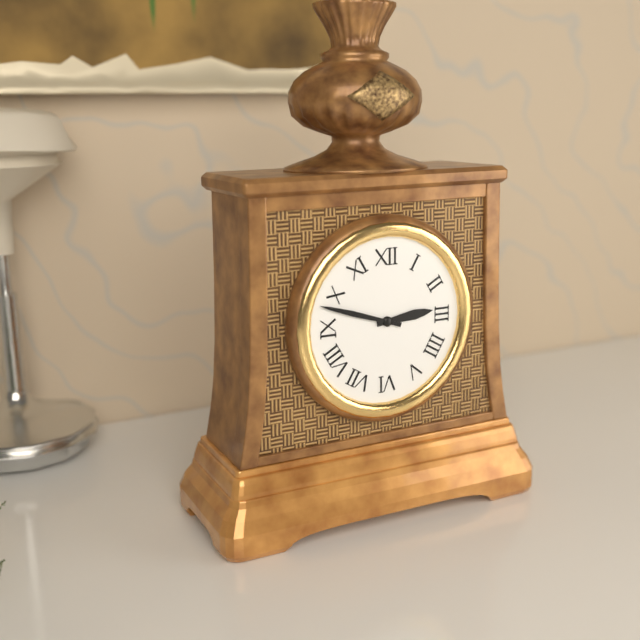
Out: 2h48
